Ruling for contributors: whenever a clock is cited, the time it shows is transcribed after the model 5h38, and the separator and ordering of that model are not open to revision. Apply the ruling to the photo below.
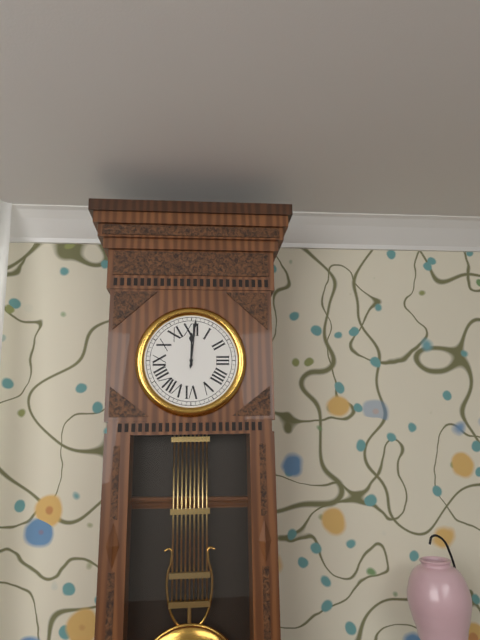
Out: 12h01
